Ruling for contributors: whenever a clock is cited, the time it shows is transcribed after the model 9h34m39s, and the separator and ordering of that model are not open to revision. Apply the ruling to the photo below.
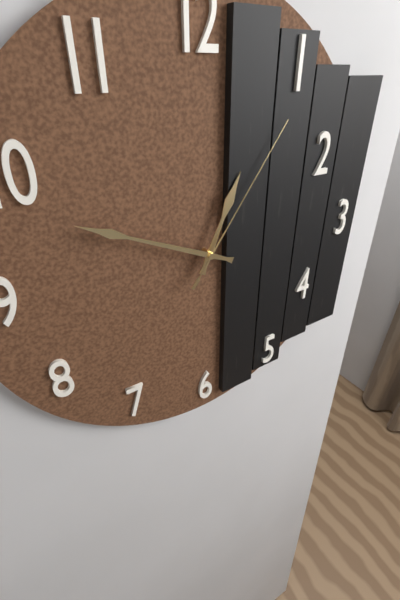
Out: 12h49m06s
